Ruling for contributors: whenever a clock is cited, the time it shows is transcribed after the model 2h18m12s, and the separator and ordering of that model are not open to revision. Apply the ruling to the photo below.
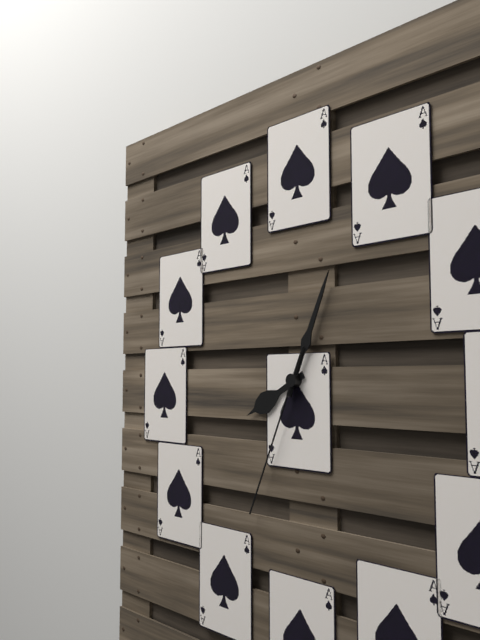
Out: 8h04m34s
